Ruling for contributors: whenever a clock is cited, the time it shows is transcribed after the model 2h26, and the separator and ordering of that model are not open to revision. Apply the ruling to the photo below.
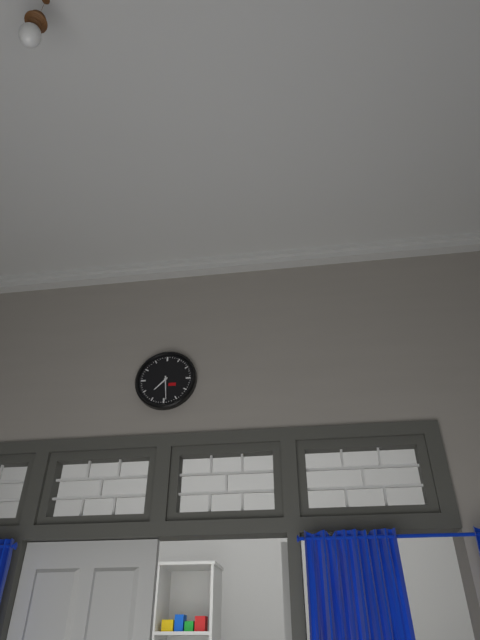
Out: 7h29
